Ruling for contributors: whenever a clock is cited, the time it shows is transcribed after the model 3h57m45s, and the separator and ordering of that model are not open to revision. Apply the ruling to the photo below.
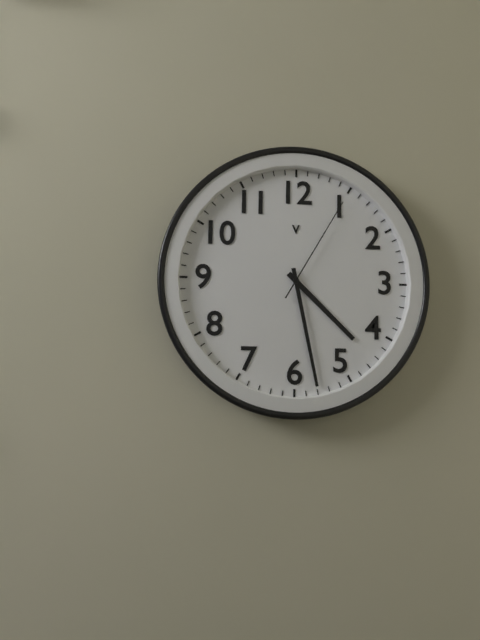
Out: 4h28m05s
